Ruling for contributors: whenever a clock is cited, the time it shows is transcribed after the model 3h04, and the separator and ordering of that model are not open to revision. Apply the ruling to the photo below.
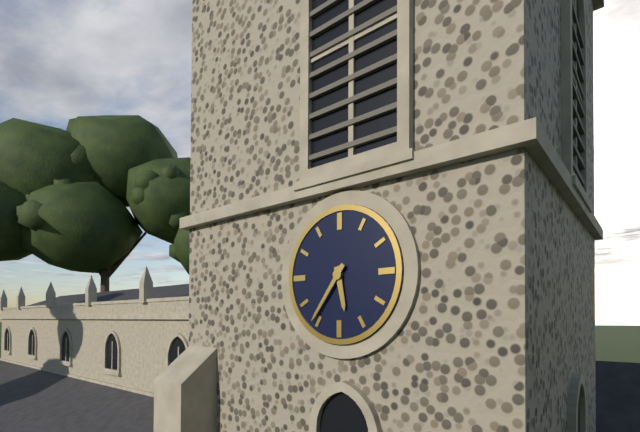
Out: 5h36
